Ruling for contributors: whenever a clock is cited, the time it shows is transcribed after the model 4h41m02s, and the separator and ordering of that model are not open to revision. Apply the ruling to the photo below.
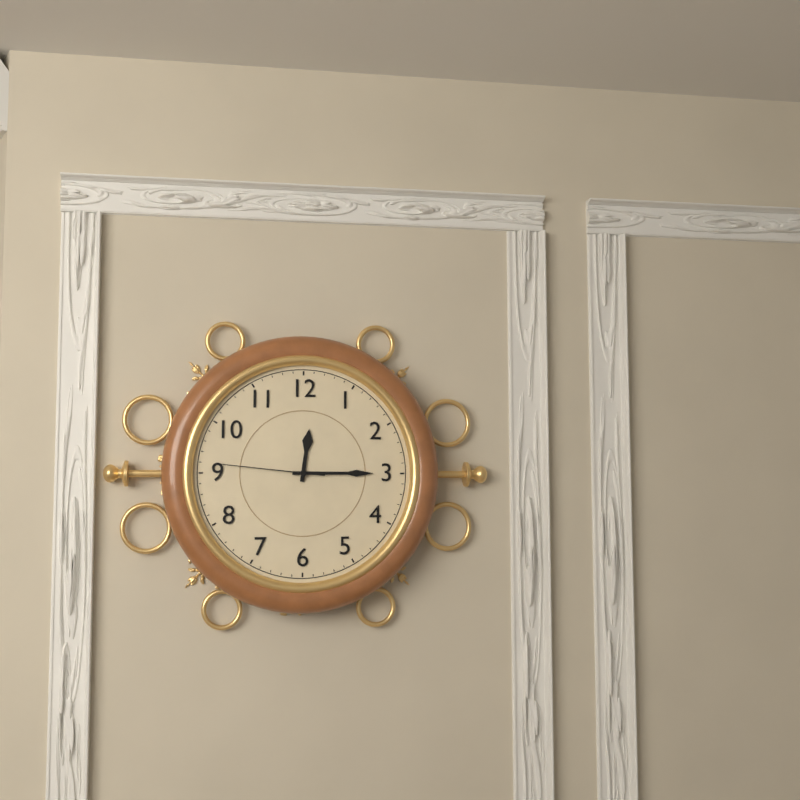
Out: 12h15m46s
